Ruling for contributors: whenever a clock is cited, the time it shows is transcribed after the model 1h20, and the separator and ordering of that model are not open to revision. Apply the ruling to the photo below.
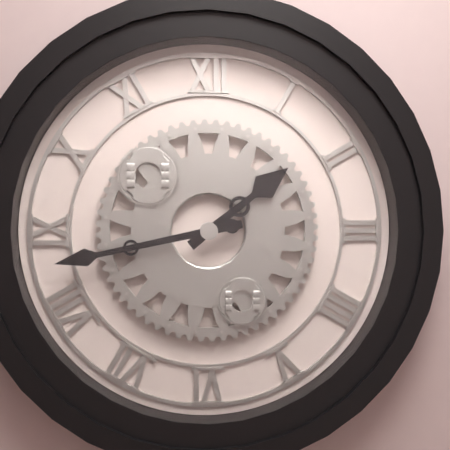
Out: 1h43
